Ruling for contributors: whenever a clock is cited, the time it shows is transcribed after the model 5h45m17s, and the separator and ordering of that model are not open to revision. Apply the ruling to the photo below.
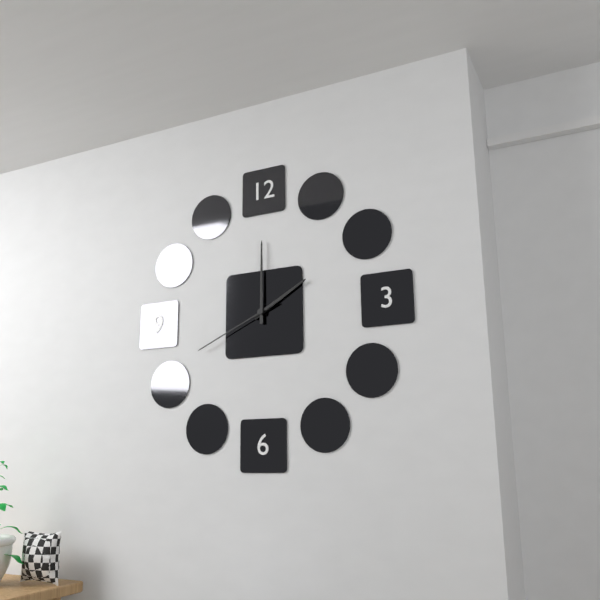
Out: 2h00m41s
